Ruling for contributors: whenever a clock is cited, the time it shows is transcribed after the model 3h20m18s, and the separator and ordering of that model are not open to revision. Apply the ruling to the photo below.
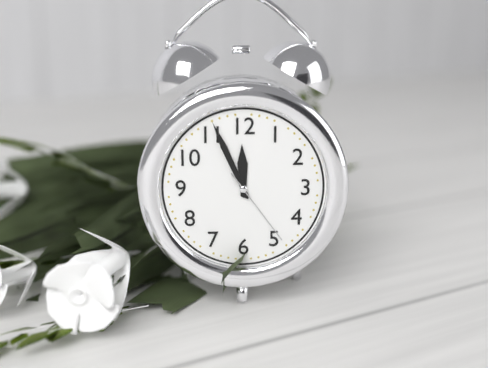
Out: 11h56m24s
